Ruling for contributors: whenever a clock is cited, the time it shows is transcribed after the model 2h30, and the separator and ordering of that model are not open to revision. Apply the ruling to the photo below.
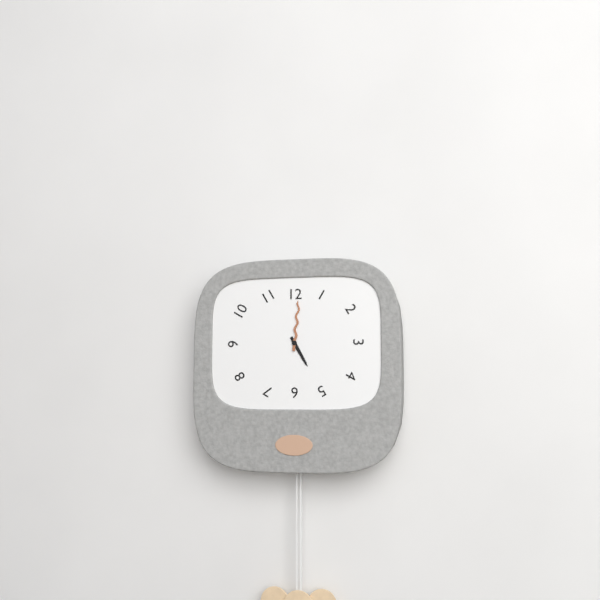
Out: 5h01
